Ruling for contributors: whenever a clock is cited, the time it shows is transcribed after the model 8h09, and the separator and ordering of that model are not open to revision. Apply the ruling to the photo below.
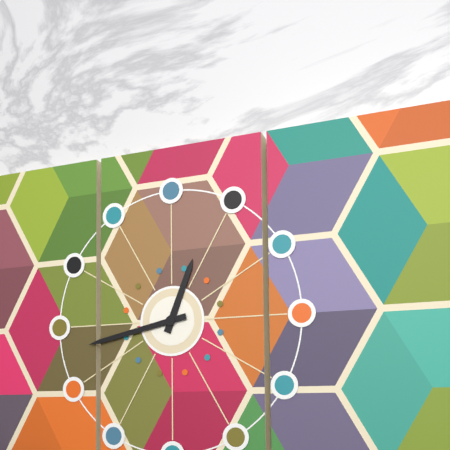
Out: 12h43
